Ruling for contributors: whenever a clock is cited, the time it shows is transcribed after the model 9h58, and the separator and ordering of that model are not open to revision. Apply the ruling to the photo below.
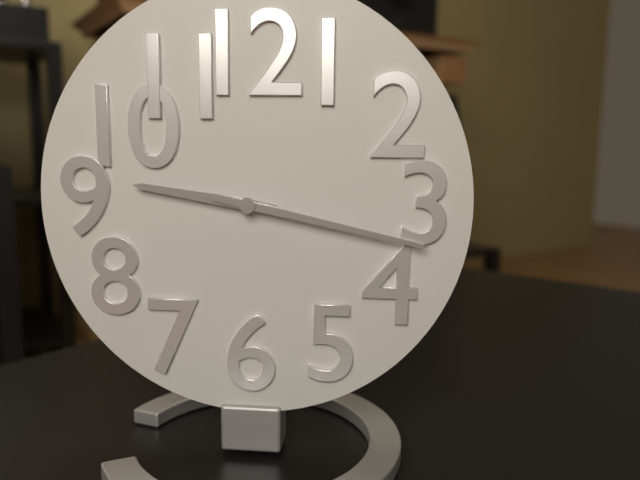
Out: 9h17
